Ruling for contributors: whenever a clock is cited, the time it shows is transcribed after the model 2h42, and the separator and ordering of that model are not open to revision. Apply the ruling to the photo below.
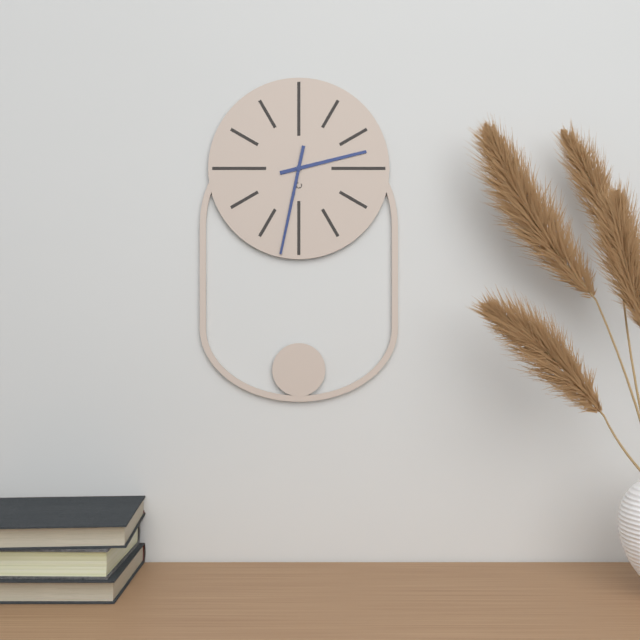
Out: 2h32
